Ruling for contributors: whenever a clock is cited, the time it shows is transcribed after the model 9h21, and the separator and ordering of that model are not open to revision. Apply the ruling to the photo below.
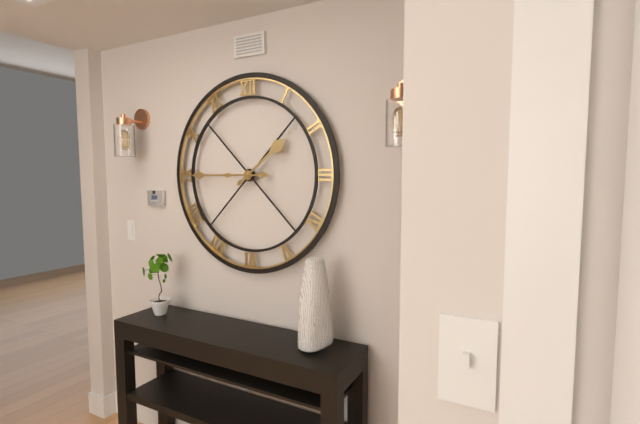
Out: 1h45
